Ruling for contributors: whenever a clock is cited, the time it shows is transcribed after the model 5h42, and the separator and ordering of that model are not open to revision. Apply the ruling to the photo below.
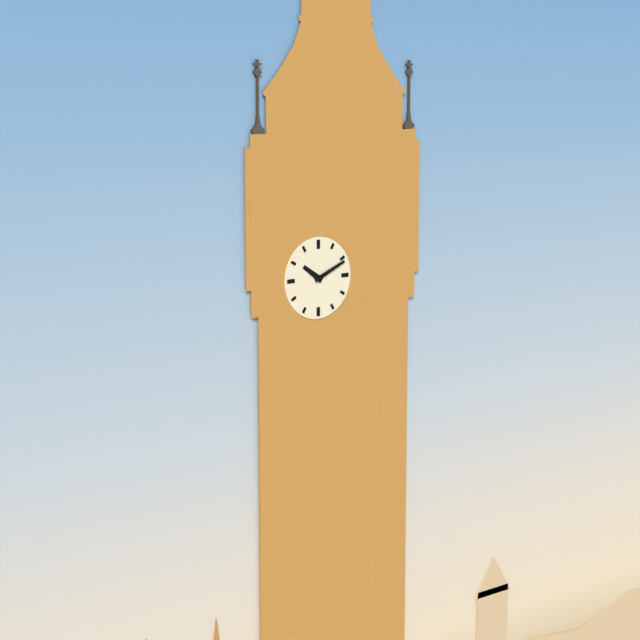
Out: 10h11
